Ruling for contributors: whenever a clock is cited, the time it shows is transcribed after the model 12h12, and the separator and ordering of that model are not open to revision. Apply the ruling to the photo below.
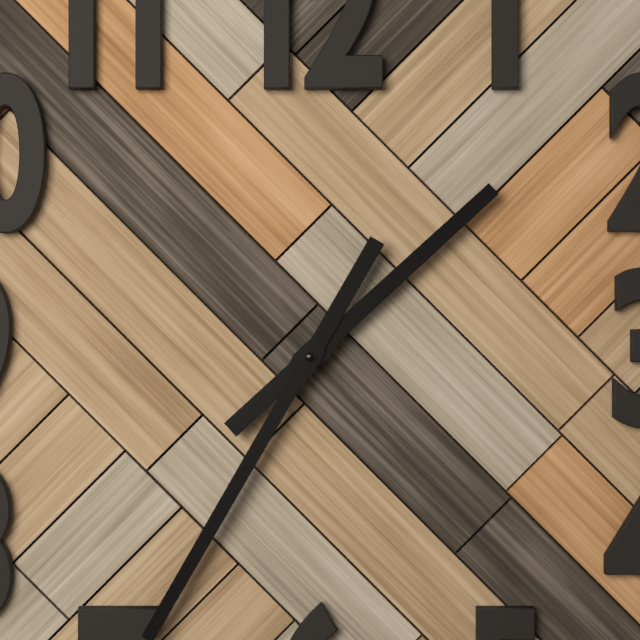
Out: 1h35
